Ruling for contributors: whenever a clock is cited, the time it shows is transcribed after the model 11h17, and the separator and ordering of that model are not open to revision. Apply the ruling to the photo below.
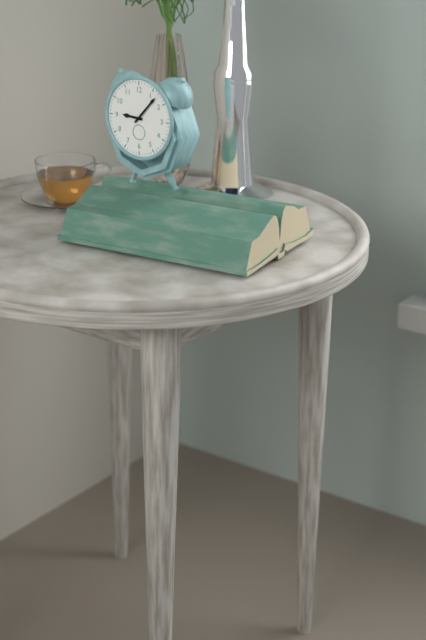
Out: 9h07
